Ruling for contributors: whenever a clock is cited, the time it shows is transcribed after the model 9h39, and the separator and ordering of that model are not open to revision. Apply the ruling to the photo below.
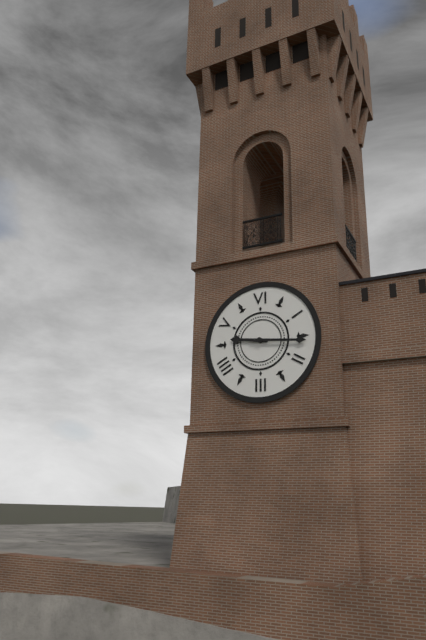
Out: 9h16
